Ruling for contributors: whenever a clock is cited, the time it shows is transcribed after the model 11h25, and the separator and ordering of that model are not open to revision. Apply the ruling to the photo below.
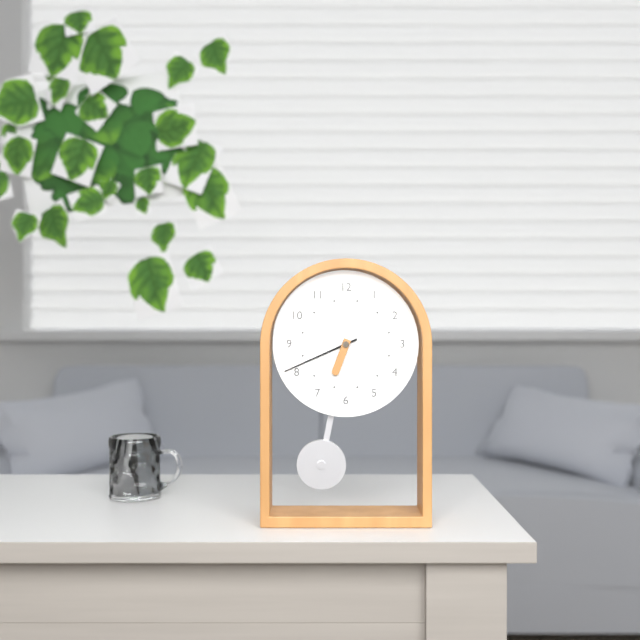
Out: 6h41
